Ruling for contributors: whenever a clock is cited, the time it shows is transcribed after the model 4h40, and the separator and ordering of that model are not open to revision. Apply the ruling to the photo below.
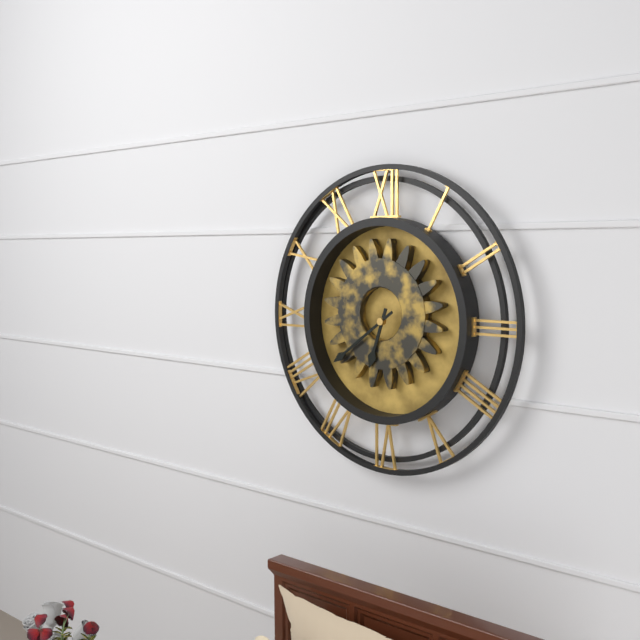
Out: 6h39
